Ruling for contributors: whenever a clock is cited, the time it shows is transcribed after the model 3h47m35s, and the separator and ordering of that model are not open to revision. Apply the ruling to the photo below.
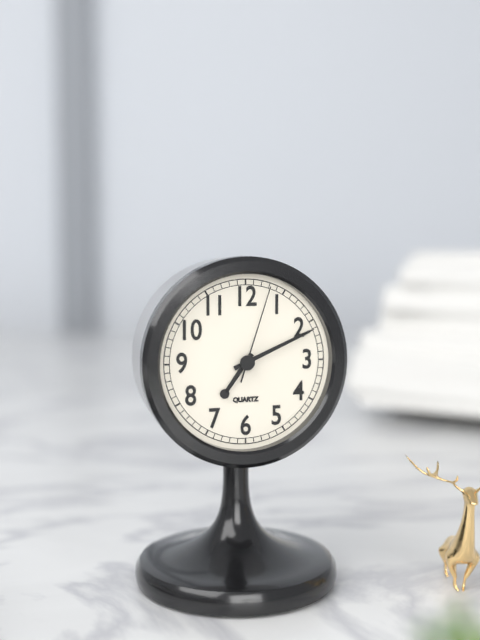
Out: 7h11m03s
